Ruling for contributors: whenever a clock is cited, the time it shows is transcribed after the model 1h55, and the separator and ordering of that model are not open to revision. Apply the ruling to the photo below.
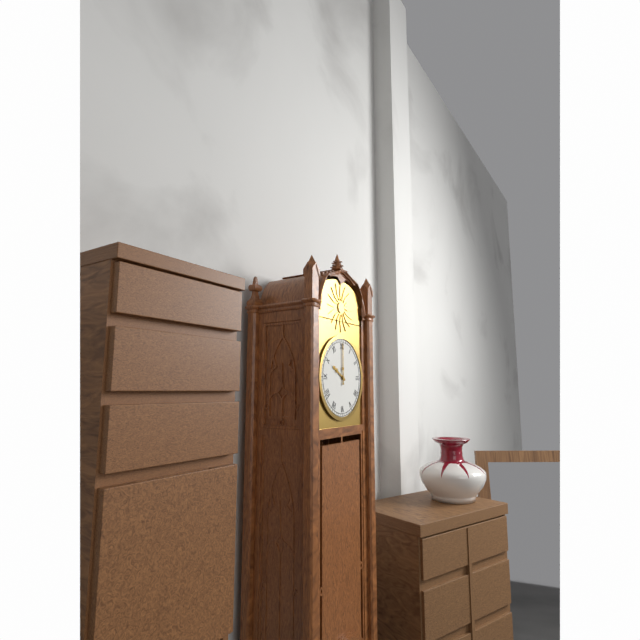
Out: 10h00
